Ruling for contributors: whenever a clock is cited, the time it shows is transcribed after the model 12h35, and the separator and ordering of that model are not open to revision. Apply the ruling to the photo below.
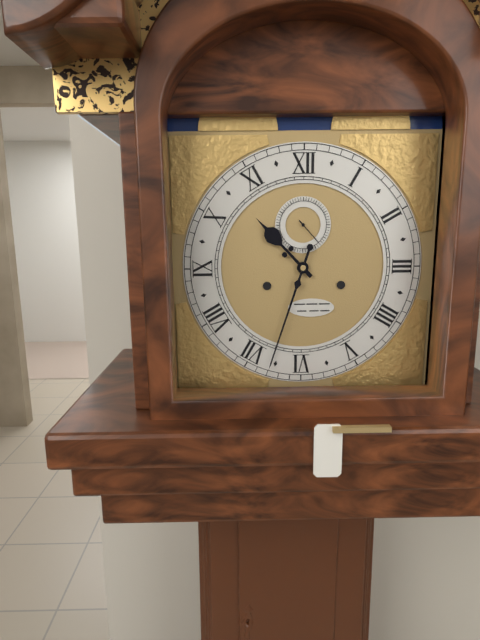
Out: 10h33
